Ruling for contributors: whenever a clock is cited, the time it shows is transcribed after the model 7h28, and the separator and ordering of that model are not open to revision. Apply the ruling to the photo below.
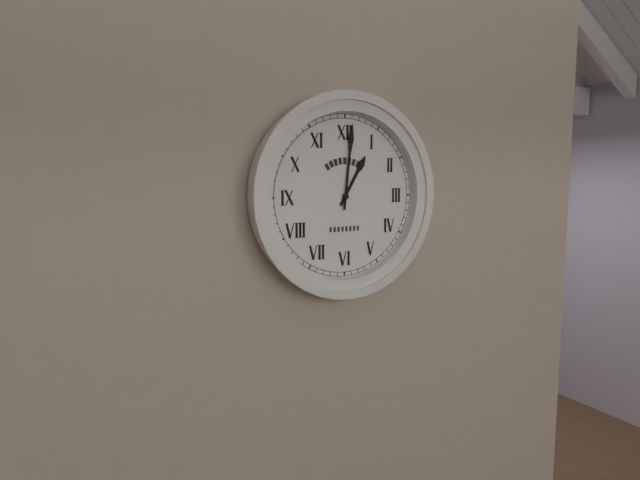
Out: 1h01
